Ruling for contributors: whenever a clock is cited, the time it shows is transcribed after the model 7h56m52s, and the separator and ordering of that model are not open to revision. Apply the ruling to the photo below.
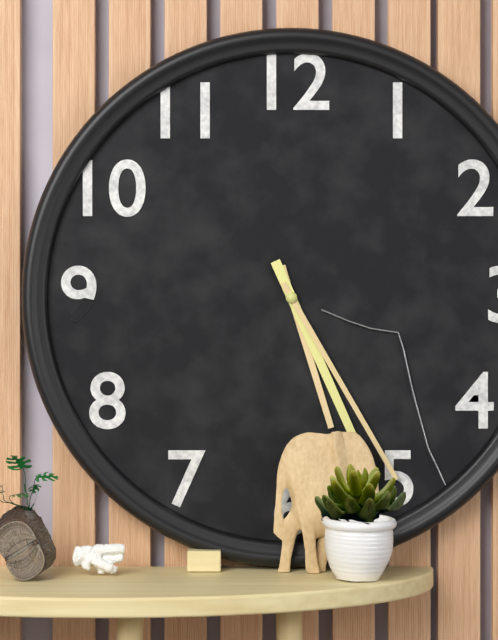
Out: 5h26m25s
